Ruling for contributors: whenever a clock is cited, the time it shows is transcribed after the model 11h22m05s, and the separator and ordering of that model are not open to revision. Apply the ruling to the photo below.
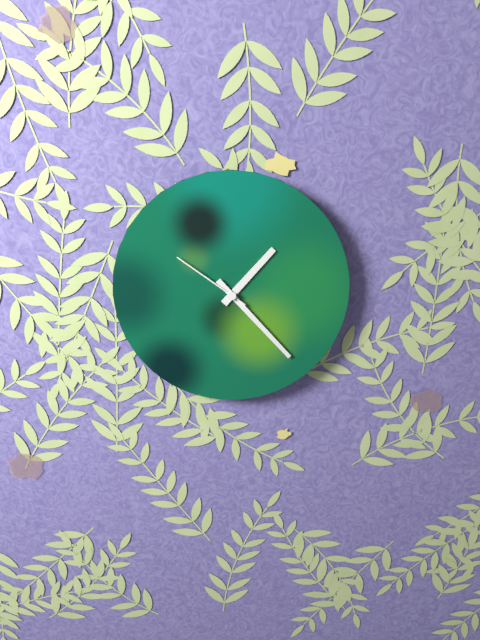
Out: 1h23m51s
